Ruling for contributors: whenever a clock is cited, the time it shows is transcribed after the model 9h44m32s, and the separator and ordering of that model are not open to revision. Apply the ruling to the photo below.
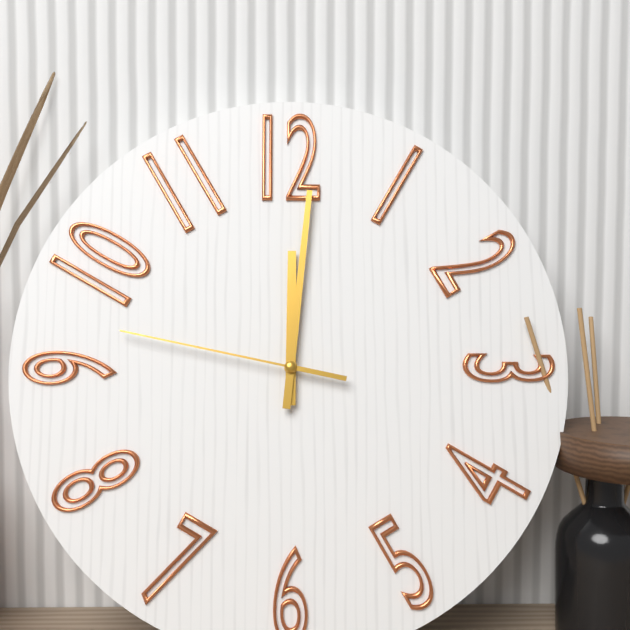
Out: 12h01m47s
